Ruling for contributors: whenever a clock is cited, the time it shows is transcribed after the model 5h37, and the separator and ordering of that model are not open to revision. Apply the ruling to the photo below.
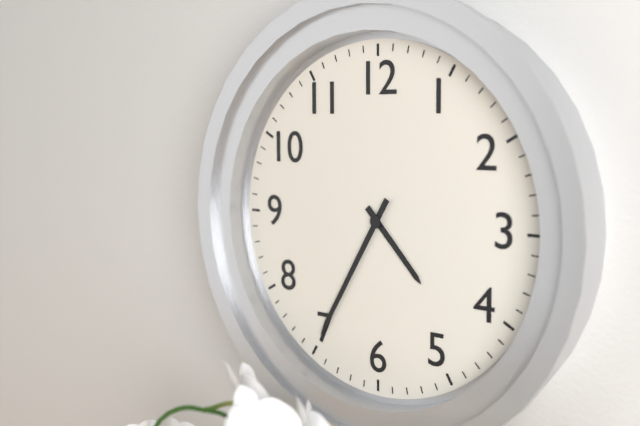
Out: 4h35
